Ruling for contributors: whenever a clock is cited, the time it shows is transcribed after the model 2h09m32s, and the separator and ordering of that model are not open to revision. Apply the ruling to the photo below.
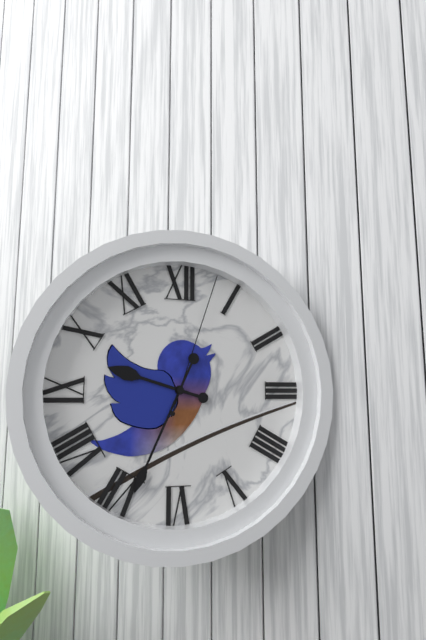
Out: 9h34m03s
